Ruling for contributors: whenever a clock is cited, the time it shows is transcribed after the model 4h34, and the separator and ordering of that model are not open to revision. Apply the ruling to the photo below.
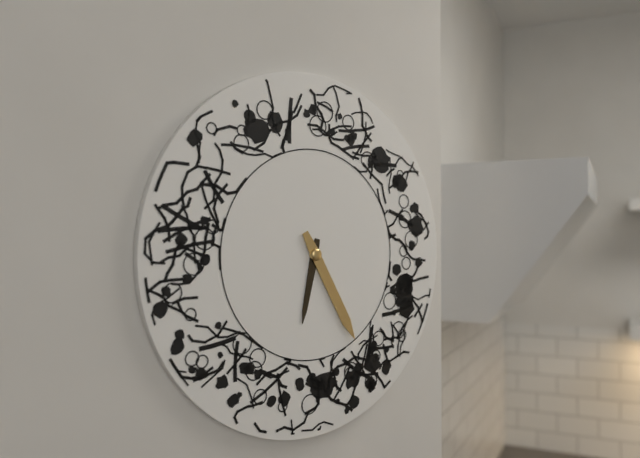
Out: 6h25
